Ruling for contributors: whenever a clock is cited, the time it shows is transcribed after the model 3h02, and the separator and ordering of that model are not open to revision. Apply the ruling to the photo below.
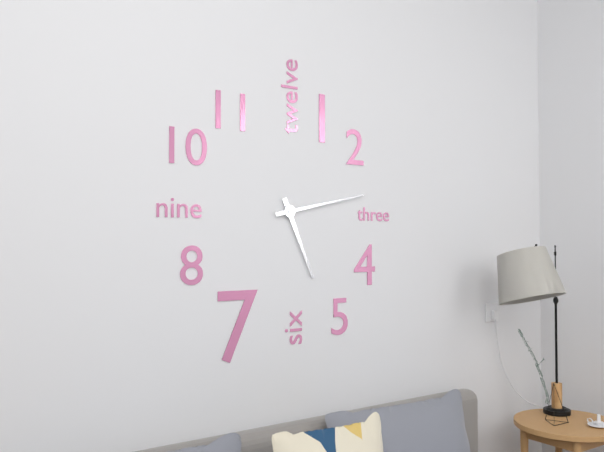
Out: 5h13
